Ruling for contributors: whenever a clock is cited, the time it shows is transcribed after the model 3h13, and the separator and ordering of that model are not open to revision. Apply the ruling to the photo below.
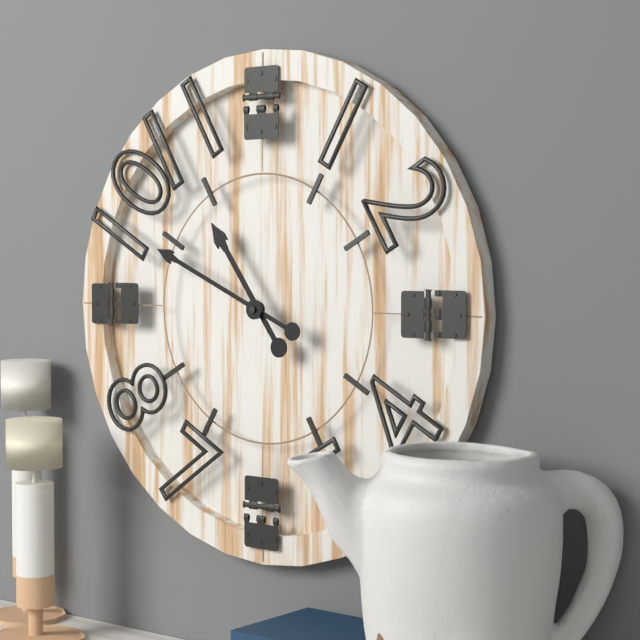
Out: 10h49
